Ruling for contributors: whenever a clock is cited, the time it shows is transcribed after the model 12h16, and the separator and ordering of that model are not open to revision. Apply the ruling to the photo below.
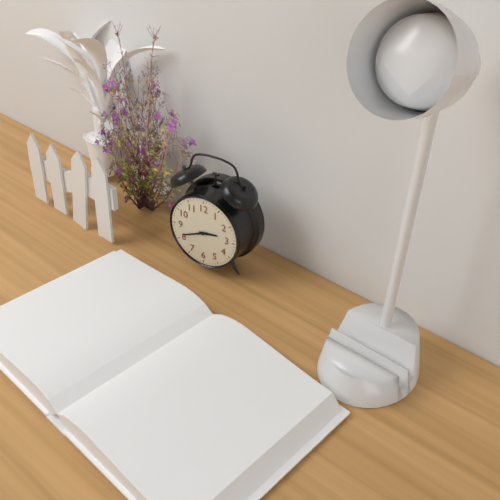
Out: 2h41
